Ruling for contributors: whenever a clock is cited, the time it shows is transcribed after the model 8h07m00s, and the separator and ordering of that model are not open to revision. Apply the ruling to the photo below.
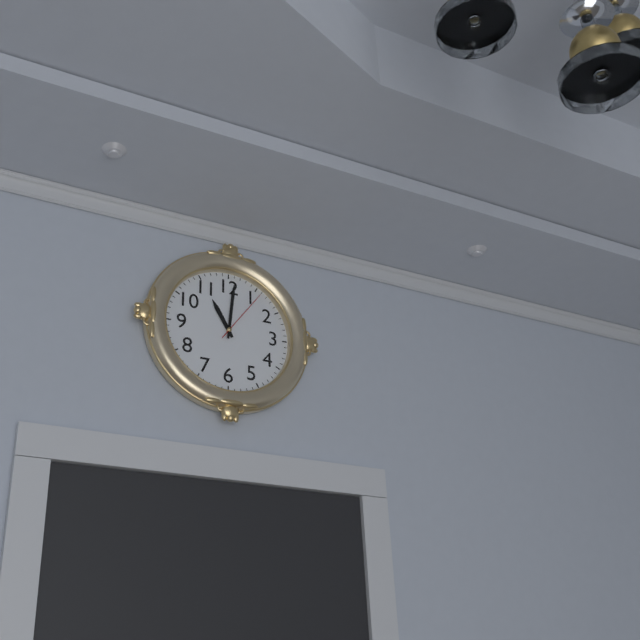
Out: 11h01m06s
